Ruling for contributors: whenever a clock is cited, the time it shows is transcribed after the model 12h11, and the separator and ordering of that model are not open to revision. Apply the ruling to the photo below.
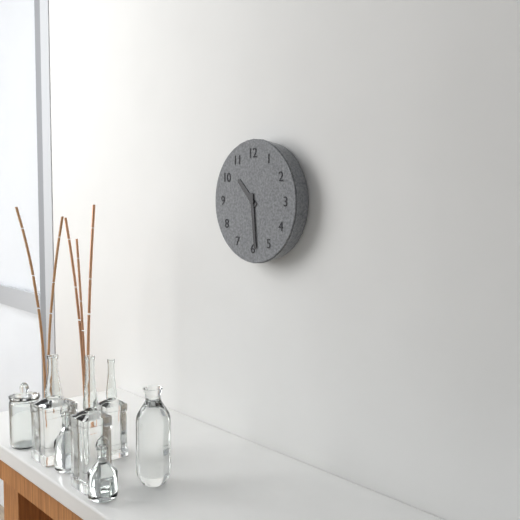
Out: 10h29
